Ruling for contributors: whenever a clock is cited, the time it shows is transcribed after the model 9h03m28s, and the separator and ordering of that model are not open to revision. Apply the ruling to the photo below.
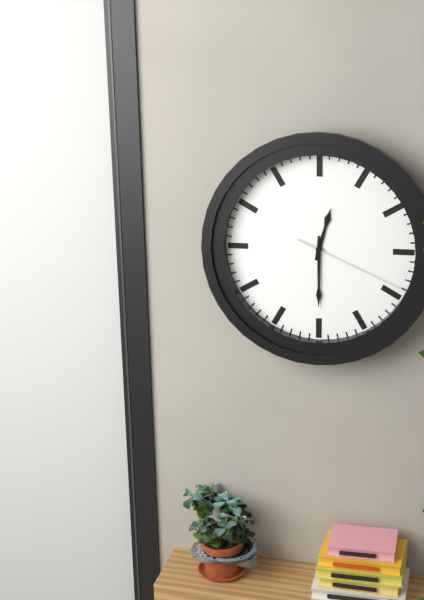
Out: 12h30m19s
